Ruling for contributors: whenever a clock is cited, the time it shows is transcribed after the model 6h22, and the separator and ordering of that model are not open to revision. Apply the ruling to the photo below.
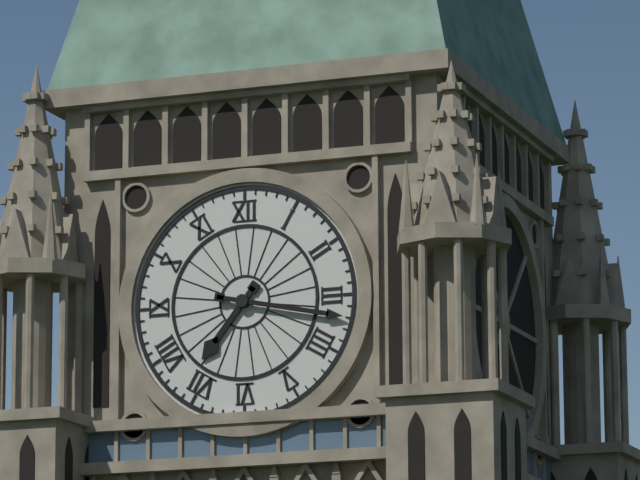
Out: 7h17
